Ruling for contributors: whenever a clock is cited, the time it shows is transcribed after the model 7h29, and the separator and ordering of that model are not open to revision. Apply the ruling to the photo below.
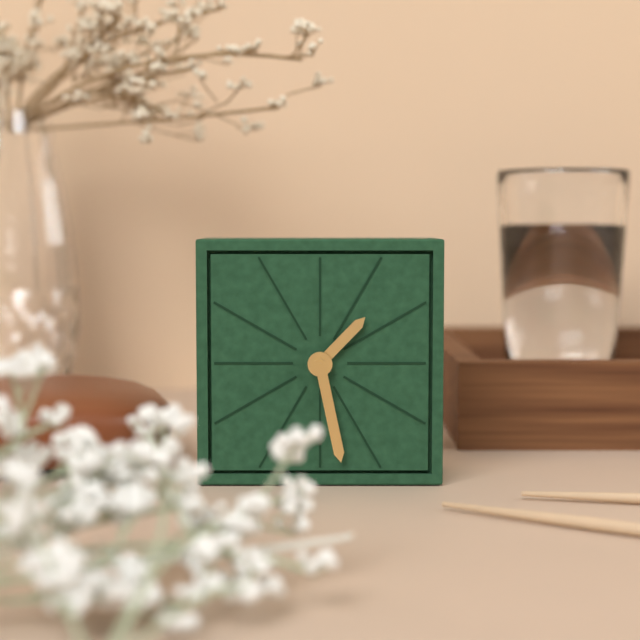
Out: 1h28
